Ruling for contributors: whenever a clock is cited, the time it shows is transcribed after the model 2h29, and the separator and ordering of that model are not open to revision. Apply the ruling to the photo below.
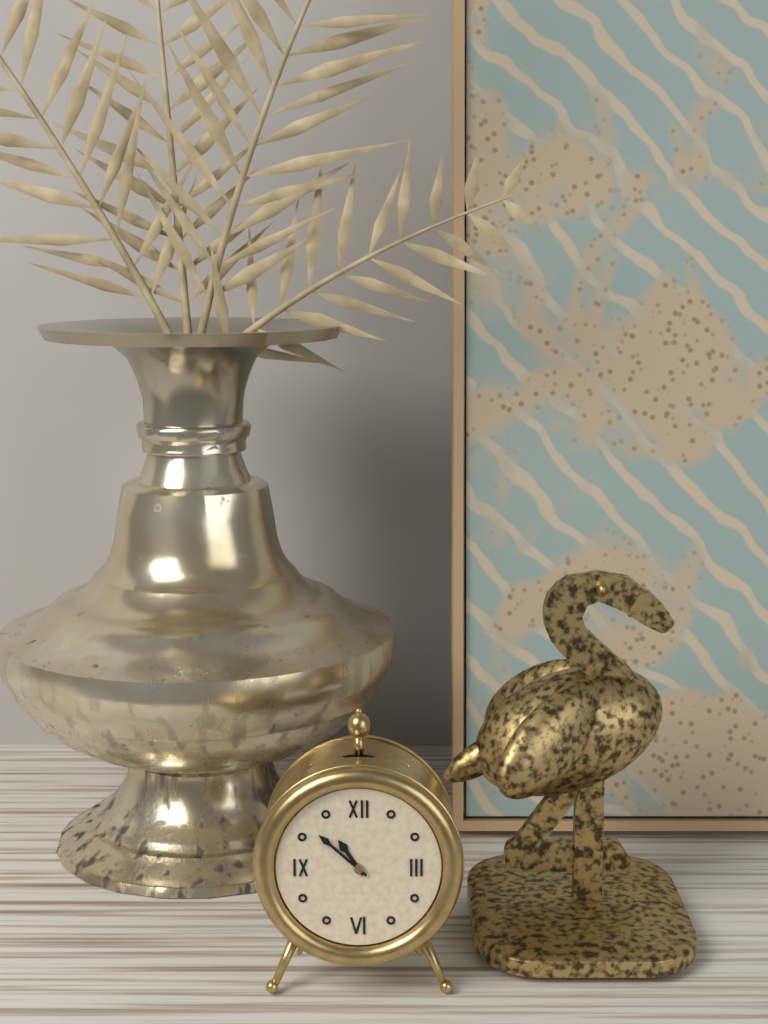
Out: 10h52
